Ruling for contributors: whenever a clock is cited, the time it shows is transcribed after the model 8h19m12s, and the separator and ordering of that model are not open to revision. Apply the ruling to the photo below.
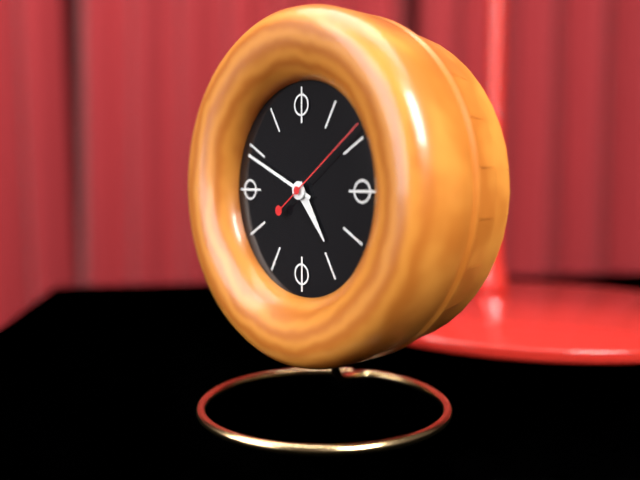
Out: 4h49m09s
